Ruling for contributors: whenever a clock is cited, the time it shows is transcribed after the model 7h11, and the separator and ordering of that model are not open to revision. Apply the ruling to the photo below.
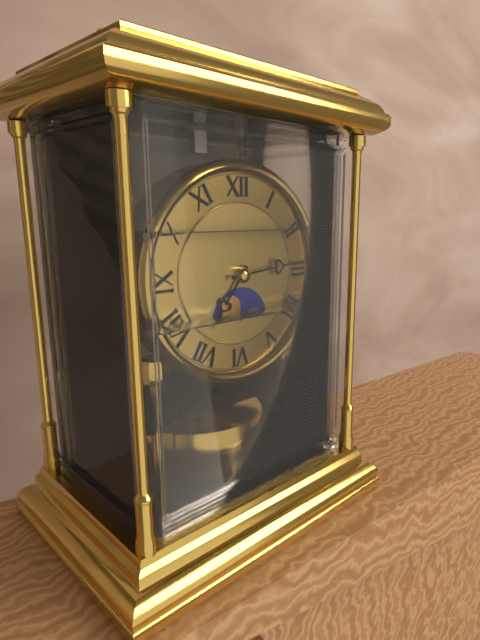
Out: 7h14
